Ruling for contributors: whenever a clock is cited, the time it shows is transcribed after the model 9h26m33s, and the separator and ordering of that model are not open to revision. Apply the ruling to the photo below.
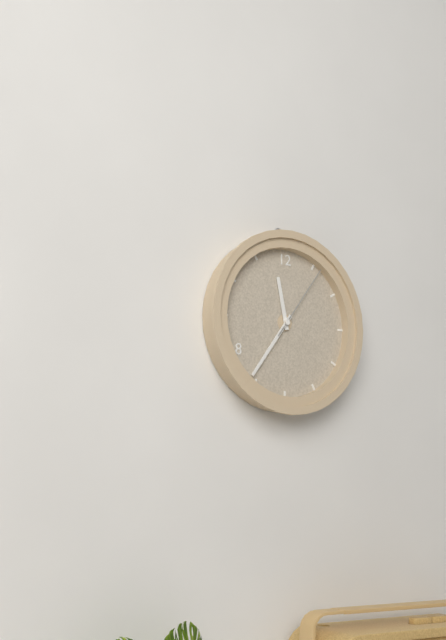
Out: 11h36m06s
